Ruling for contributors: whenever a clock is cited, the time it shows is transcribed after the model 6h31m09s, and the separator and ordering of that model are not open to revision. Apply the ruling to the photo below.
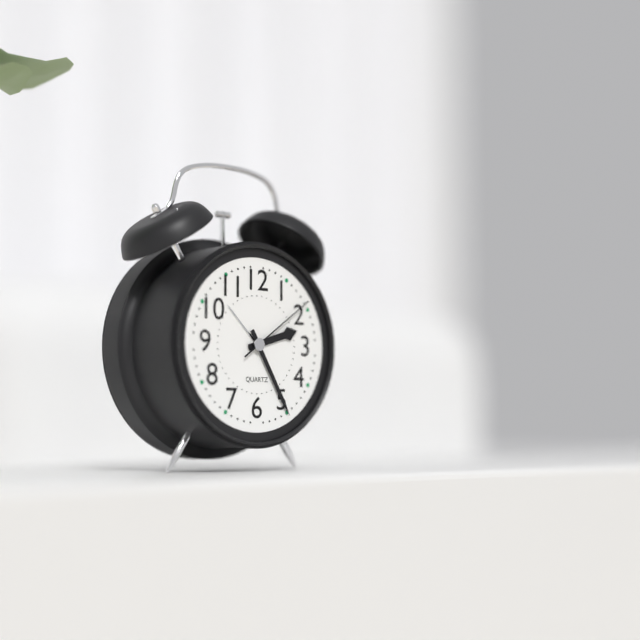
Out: 2h25m09s
